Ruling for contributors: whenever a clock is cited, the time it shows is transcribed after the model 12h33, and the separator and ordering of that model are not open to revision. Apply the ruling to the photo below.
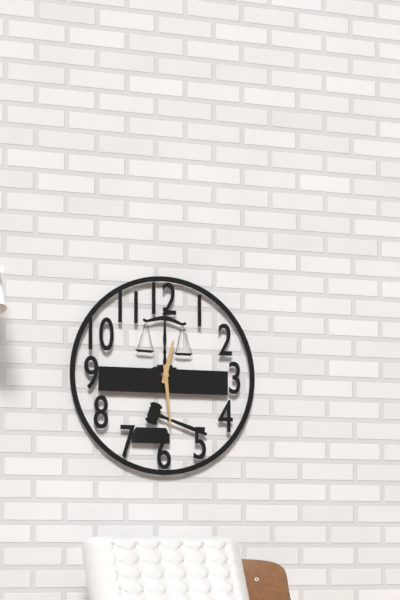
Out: 12h29
